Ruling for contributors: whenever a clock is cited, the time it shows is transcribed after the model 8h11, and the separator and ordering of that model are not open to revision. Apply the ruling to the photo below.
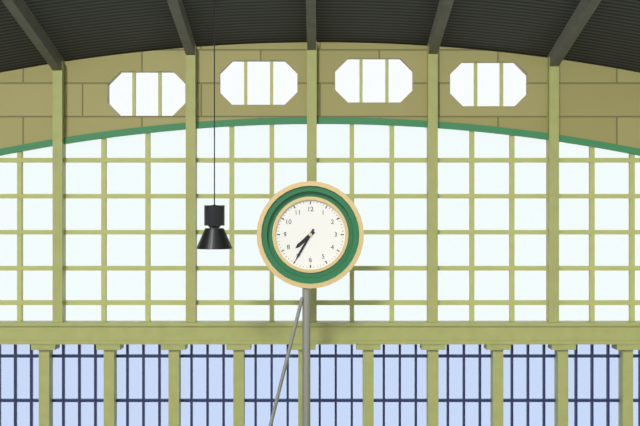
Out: 7h35
